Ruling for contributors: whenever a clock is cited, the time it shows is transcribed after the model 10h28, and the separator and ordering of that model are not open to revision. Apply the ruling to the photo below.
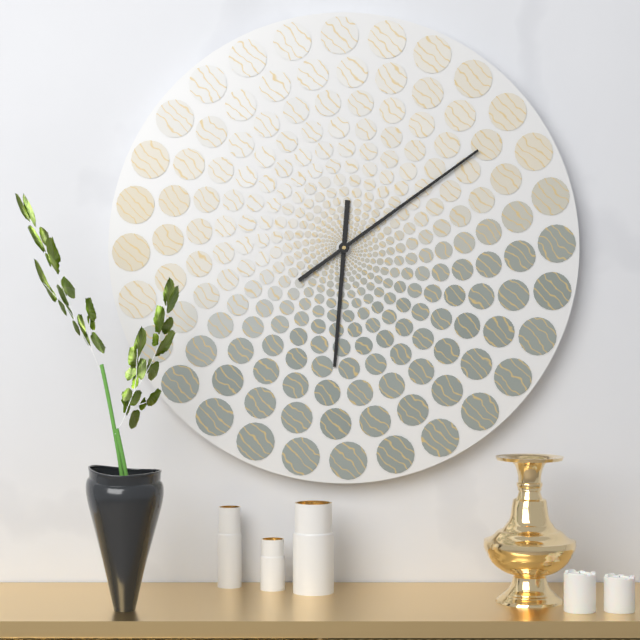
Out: 6h09
